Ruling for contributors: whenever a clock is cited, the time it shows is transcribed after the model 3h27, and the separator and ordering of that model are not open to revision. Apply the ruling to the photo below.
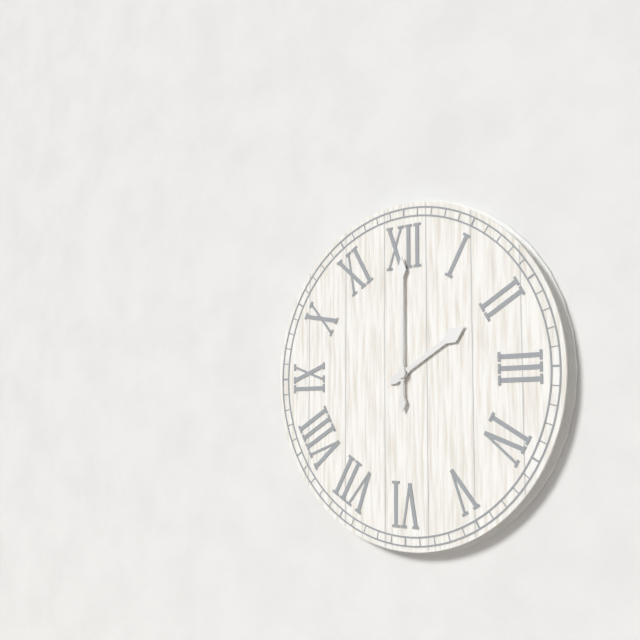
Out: 2h00
